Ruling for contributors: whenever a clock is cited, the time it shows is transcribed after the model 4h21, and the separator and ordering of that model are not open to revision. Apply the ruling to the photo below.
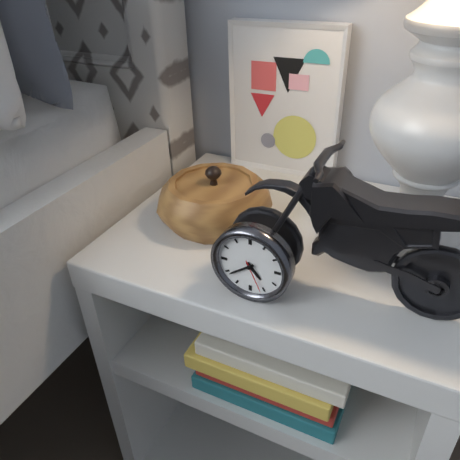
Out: 4h39
